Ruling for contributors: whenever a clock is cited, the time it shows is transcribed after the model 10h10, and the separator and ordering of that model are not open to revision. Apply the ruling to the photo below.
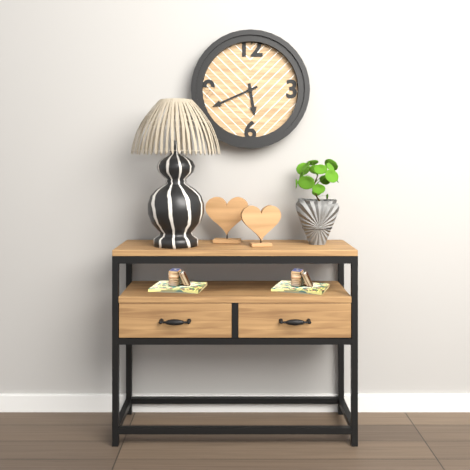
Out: 5h41
